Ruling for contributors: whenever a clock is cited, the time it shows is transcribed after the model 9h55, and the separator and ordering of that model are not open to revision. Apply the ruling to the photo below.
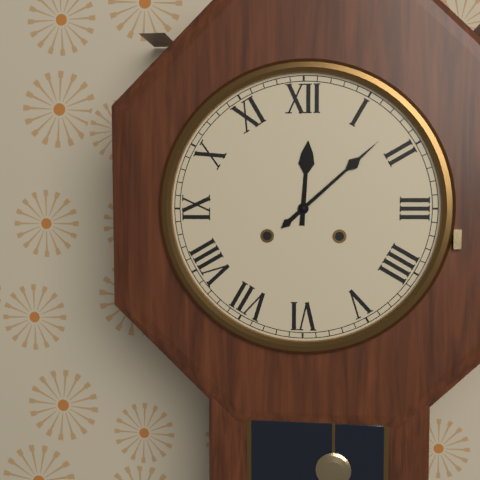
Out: 12h08
